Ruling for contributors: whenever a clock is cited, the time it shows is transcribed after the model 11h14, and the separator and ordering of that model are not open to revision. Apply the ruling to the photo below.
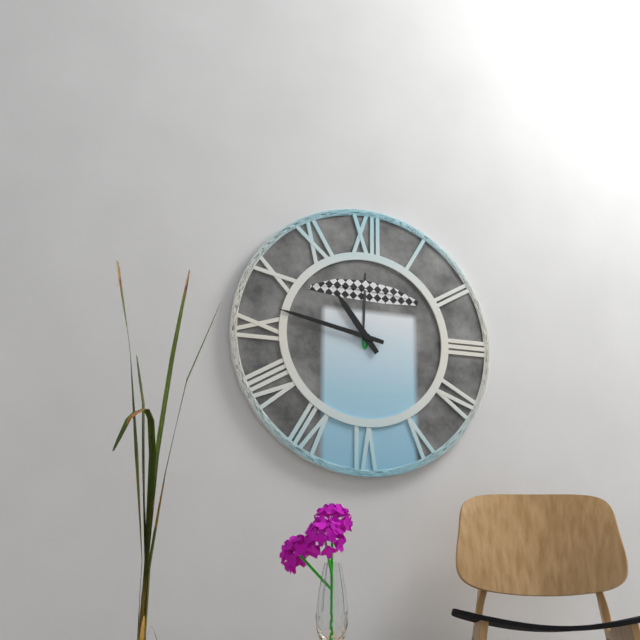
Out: 10h47
